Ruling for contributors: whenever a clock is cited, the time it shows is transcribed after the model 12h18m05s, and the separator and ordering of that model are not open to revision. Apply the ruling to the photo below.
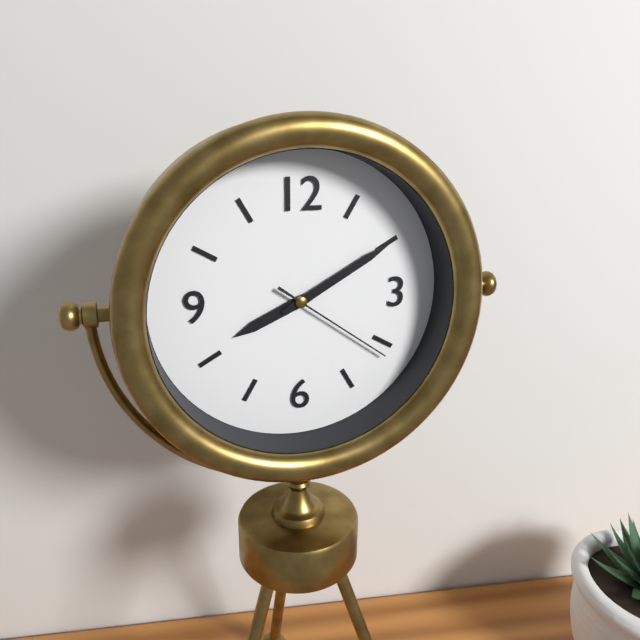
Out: 8h10m21s
